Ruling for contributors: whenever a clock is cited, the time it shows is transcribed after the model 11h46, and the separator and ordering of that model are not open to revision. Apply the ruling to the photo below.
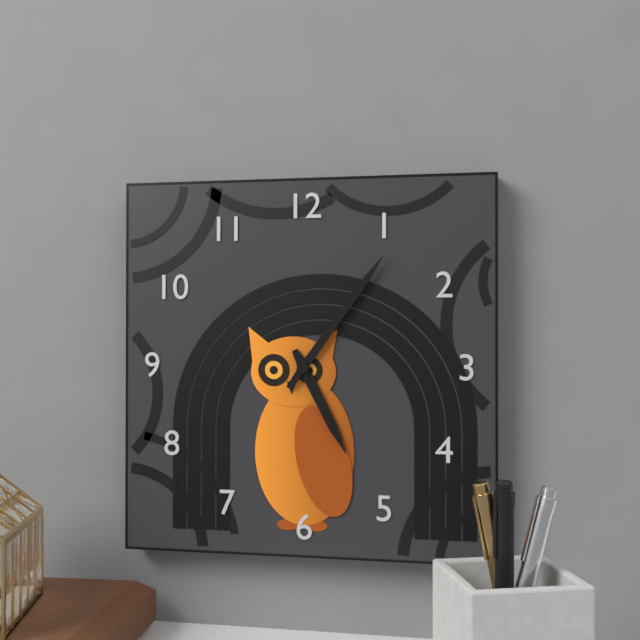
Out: 5h06
